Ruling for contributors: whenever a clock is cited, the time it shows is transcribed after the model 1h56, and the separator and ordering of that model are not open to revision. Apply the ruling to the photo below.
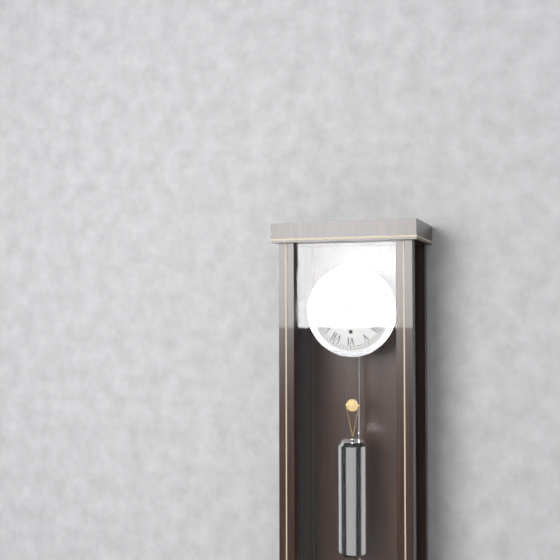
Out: 11h57
